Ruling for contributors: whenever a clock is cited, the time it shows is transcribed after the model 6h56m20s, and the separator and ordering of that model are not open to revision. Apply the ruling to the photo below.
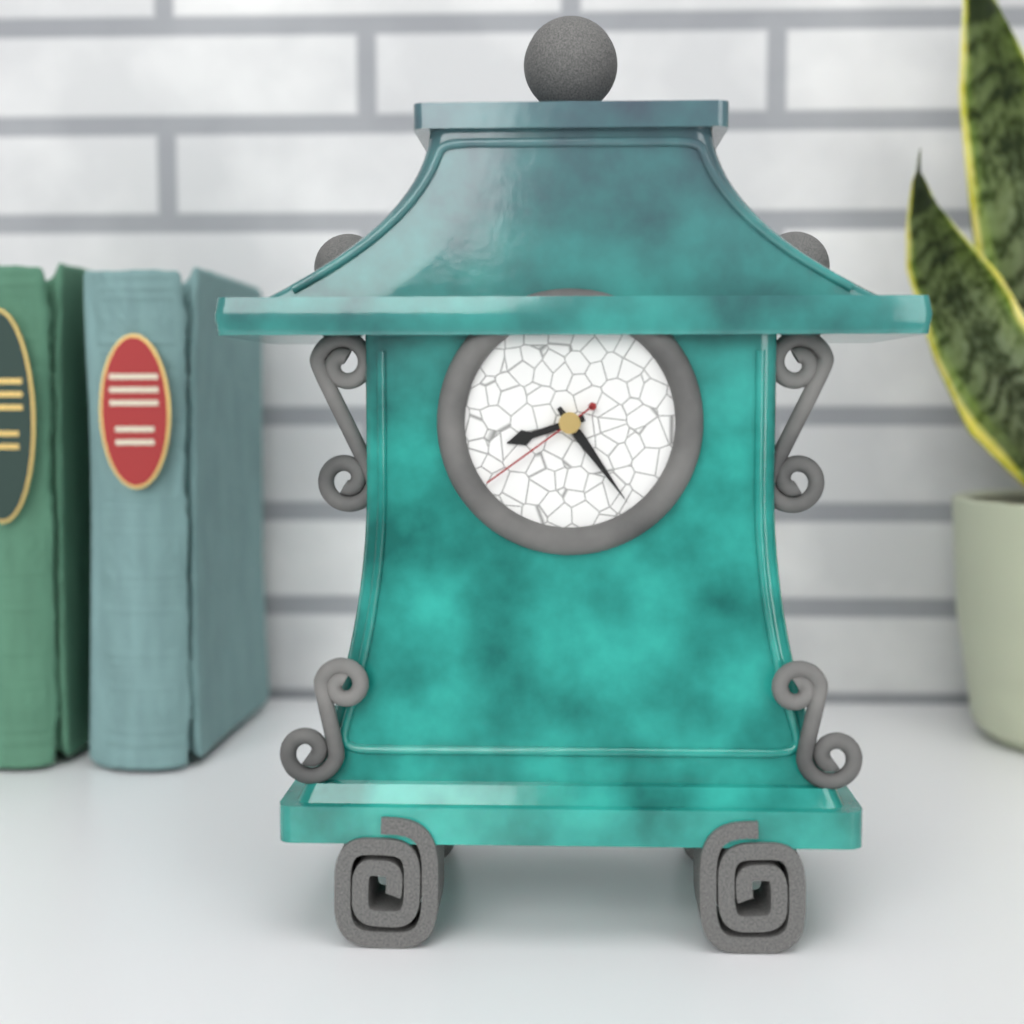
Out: 8h24m39s
